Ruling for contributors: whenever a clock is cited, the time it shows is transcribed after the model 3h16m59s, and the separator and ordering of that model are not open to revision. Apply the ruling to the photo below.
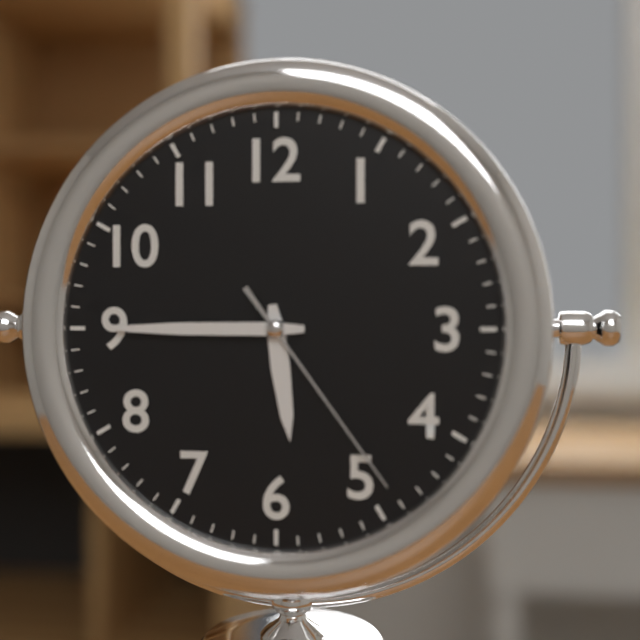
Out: 5h45m24s
